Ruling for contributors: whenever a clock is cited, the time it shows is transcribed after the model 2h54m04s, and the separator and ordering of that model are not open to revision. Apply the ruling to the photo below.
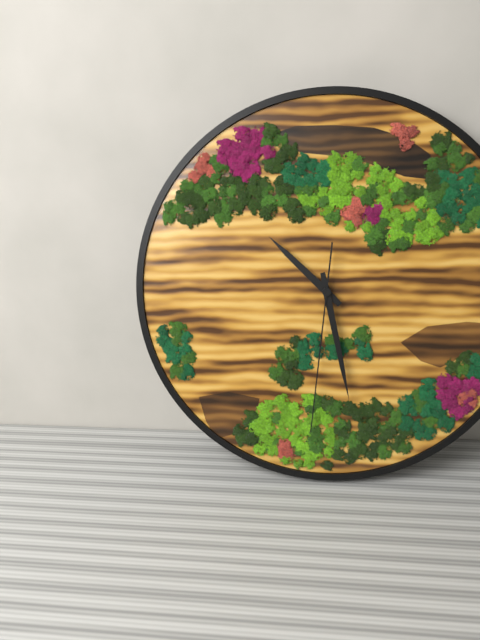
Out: 10h28m31s
